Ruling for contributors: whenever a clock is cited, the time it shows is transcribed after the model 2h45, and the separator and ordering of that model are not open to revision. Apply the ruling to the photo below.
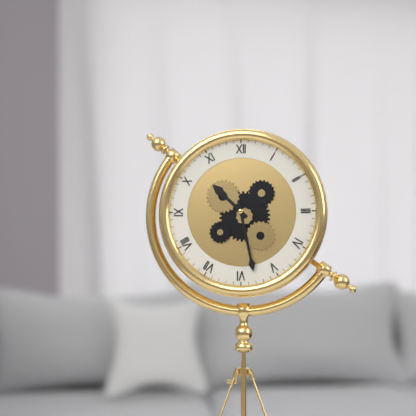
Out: 10h28
